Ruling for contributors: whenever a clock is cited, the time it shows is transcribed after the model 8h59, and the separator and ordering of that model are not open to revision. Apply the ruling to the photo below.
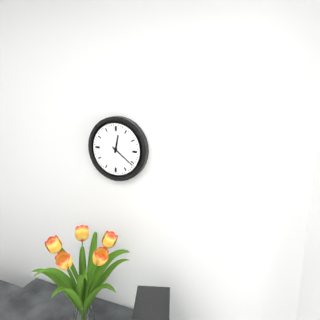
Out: 12h21
